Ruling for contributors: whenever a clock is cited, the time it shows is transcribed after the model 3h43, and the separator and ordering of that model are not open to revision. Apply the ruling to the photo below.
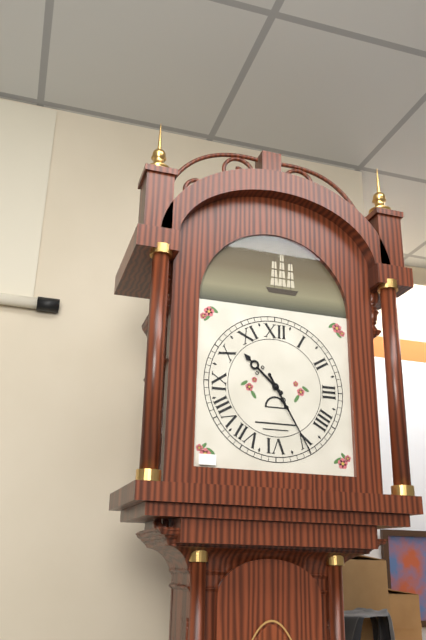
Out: 10h25
